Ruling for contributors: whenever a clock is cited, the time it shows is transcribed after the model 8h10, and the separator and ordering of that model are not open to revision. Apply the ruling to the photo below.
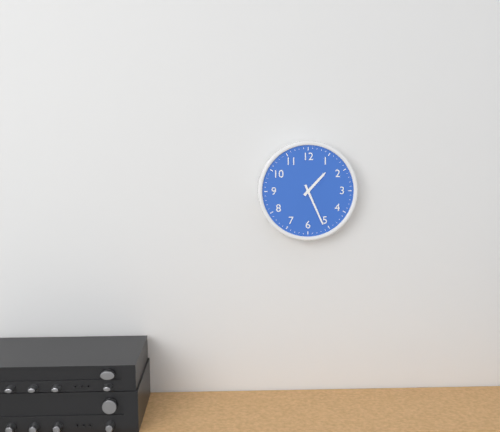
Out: 1h26
